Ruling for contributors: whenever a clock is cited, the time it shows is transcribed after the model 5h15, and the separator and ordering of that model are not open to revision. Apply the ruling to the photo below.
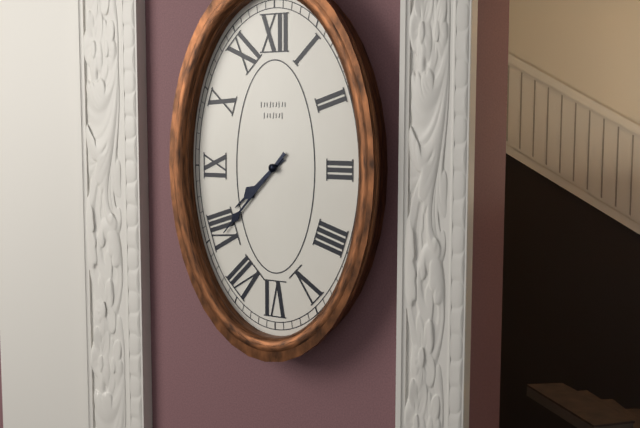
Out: 7h37
